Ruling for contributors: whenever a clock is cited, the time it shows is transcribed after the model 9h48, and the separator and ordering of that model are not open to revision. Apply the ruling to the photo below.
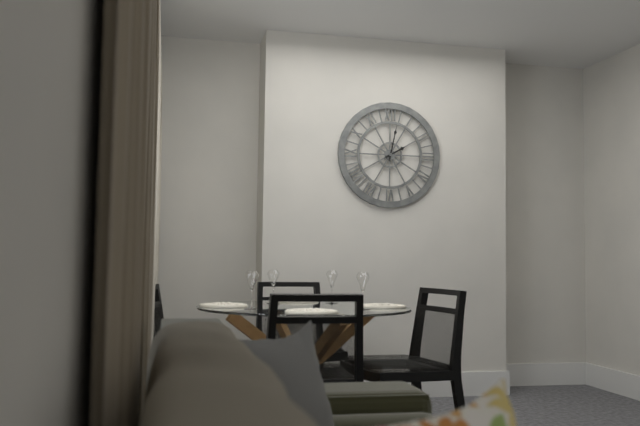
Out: 2h02
